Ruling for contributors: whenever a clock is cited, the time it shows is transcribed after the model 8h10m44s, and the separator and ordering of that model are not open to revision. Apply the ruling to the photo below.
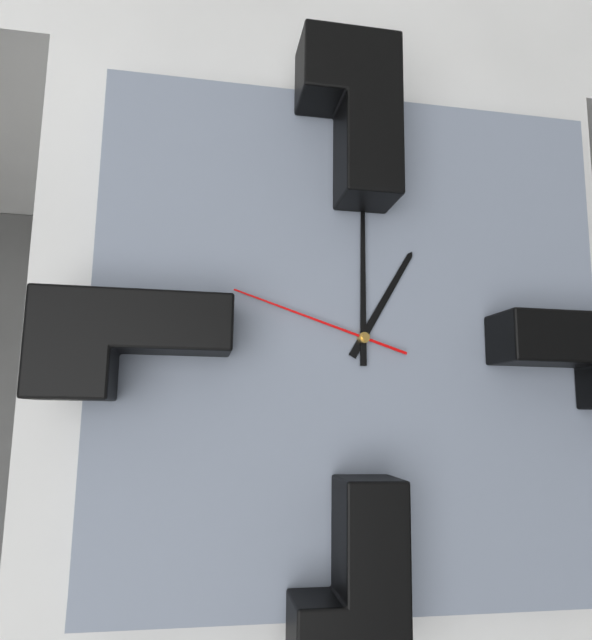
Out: 1h00m48s
